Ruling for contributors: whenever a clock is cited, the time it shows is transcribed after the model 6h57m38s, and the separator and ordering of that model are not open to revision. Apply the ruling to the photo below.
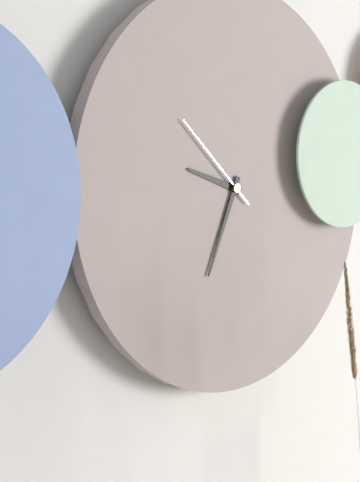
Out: 9h34m52s
